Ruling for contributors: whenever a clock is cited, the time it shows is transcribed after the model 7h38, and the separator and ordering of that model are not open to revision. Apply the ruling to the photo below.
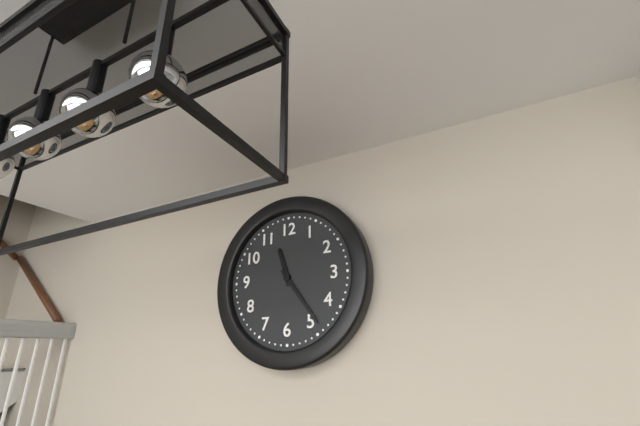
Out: 11h24
